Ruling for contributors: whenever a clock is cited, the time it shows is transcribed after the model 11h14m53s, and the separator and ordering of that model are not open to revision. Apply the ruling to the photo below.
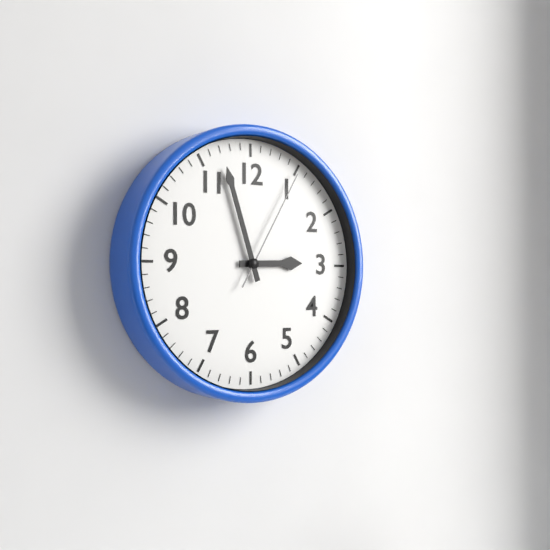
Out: 2h57m05s
